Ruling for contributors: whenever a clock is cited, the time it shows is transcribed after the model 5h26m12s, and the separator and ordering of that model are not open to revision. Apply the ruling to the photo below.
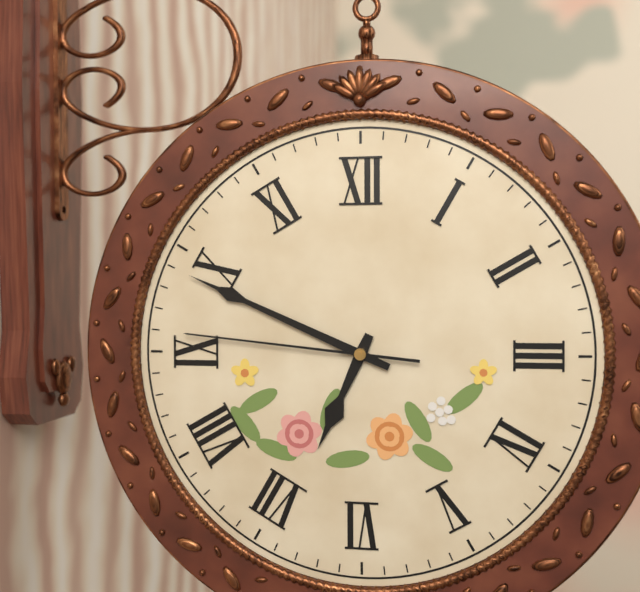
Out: 6h49m46s
